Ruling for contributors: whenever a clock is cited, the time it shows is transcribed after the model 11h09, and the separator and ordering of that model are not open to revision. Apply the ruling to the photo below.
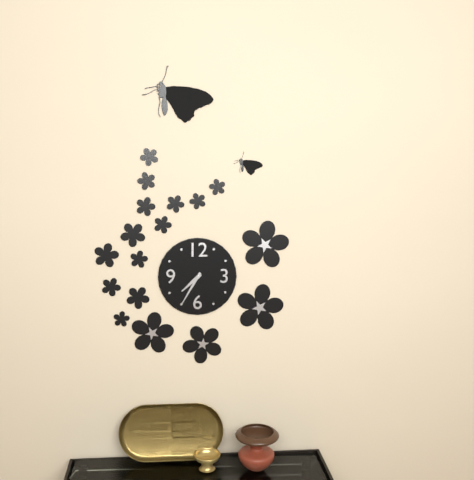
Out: 7h35
